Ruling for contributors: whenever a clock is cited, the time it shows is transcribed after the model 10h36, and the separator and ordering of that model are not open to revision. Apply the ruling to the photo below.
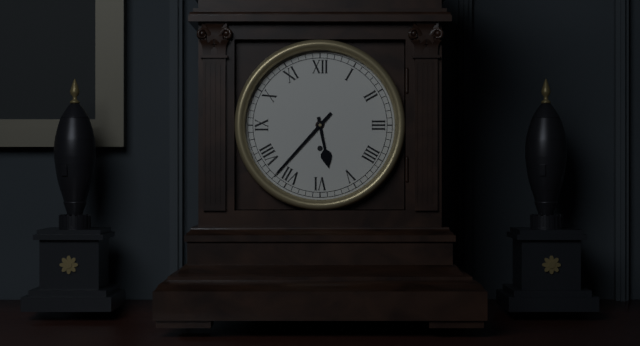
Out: 5h37
